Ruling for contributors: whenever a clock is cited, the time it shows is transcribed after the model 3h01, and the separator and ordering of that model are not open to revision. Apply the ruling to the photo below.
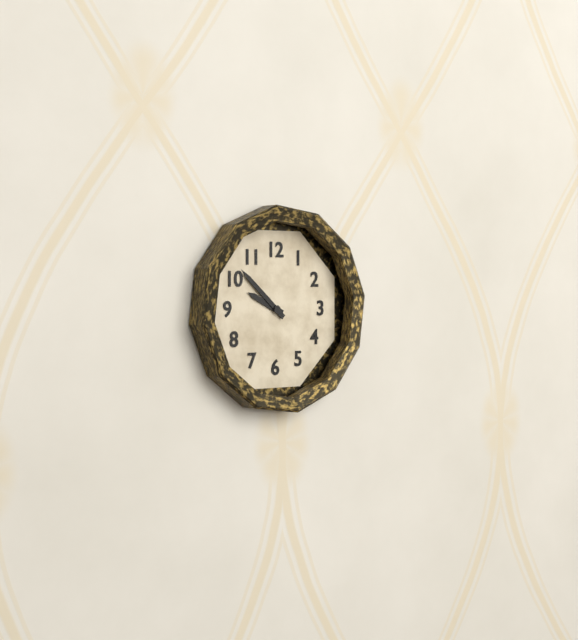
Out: 9h52
